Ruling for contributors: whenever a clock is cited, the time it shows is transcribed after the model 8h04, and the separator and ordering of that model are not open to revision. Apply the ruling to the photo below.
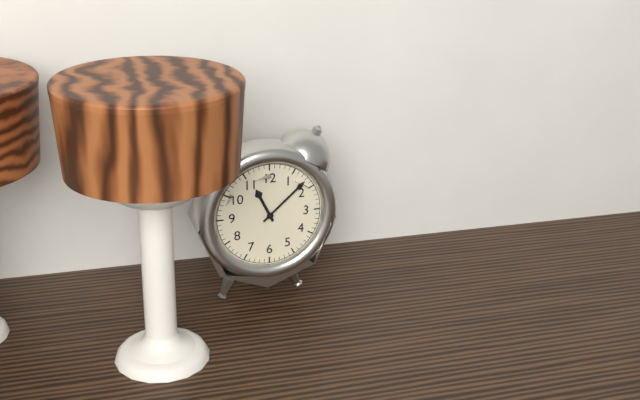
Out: 11h08
